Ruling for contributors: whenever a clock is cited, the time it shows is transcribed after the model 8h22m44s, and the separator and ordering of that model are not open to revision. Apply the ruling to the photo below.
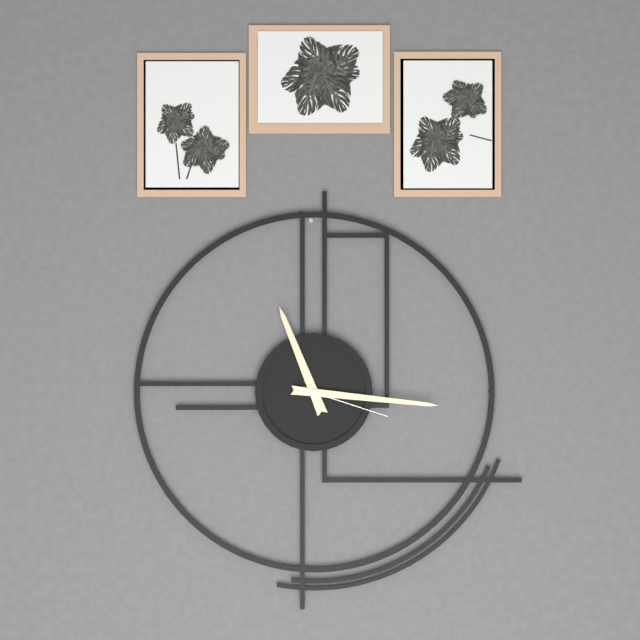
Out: 11h16m18s
